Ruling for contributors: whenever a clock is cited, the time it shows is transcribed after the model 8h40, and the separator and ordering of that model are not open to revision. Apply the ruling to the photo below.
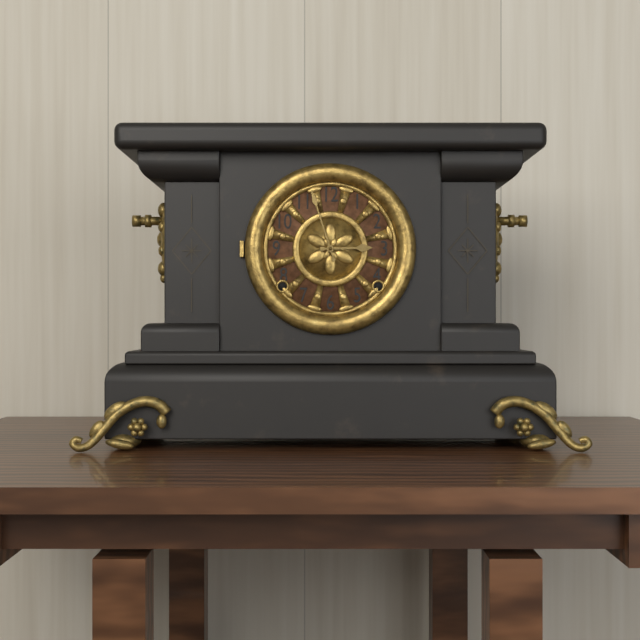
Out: 2h57
